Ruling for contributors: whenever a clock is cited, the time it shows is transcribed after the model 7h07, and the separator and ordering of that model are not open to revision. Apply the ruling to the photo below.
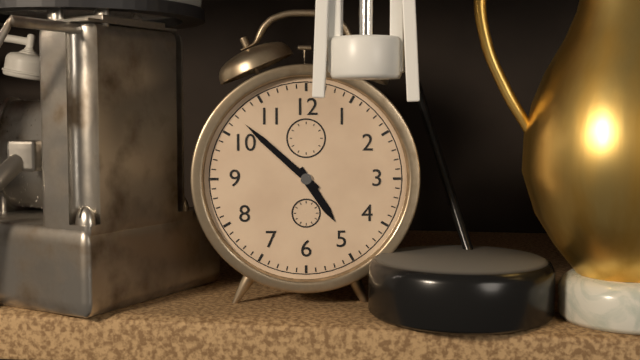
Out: 4h52
